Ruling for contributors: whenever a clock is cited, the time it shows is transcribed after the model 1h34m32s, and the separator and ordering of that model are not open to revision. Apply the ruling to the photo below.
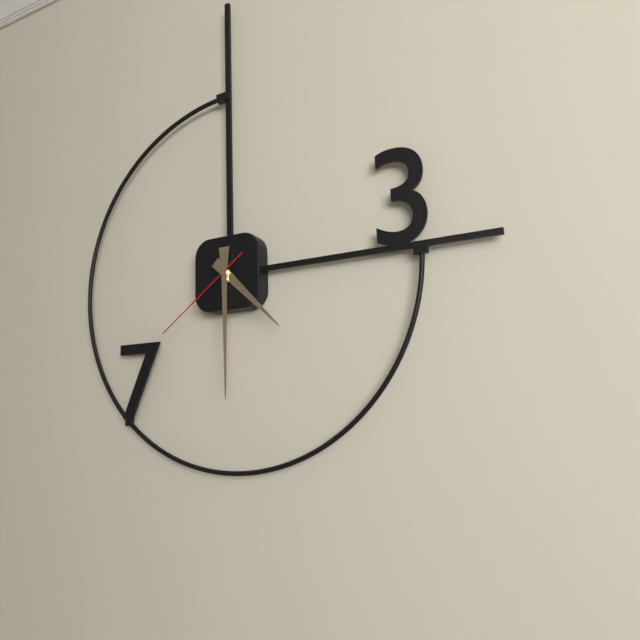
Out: 4h30m39s
